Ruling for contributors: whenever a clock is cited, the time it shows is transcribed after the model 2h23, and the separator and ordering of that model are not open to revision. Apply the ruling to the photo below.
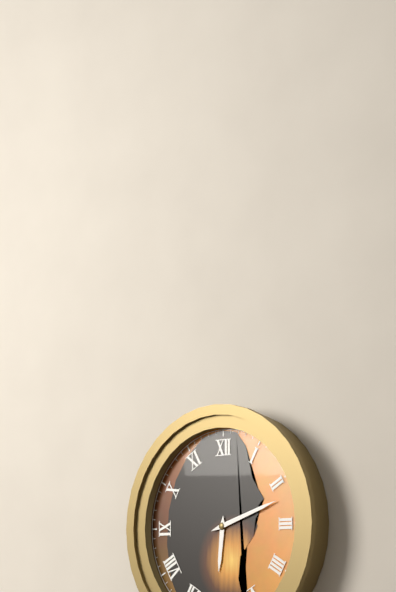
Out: 6h12
